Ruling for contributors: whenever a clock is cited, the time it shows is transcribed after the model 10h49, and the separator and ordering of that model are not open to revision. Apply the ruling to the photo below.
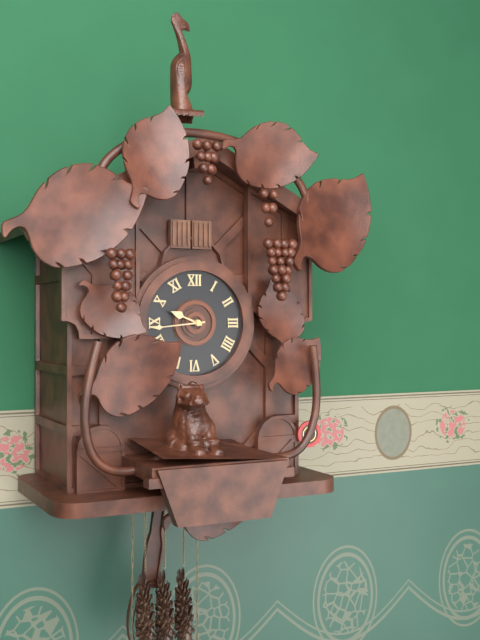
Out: 9h44
